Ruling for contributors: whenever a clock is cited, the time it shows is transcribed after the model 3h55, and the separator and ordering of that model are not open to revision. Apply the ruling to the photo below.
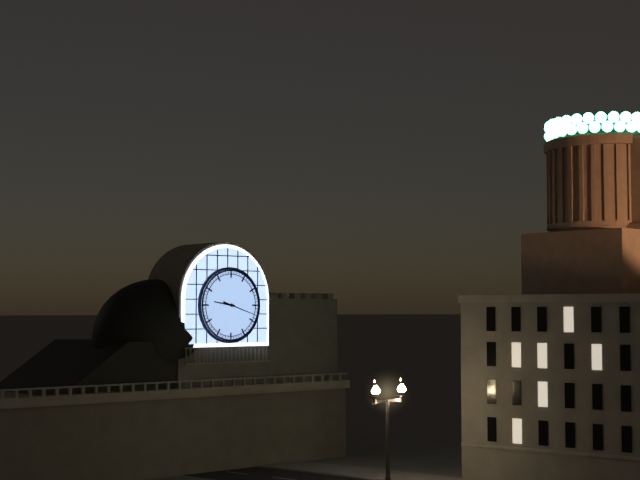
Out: 9h18
